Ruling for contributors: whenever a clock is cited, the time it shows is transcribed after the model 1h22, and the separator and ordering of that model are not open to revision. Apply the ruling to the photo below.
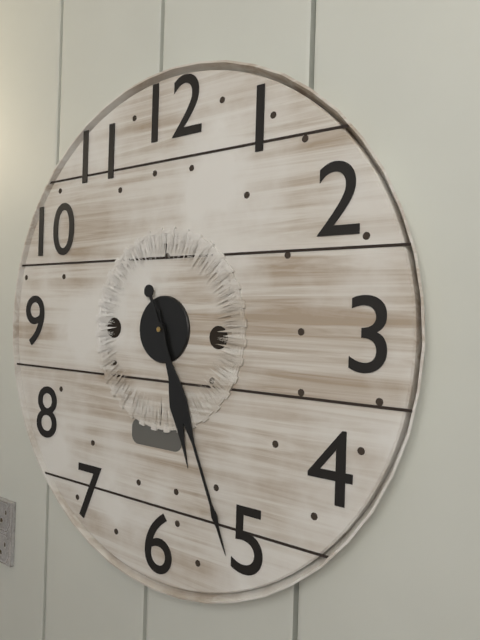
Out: 5h26
